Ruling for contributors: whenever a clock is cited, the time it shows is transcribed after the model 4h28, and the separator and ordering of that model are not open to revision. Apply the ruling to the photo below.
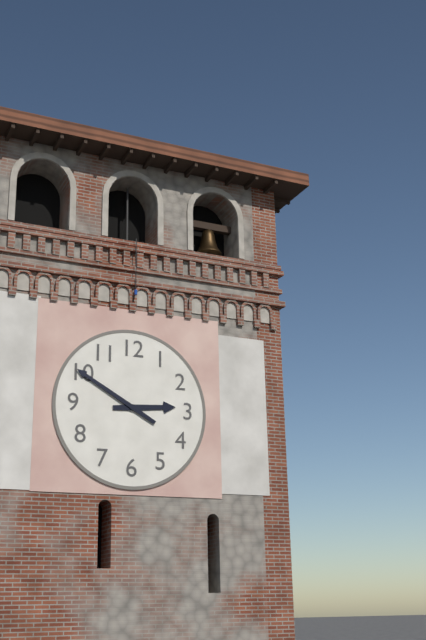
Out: 2h50
